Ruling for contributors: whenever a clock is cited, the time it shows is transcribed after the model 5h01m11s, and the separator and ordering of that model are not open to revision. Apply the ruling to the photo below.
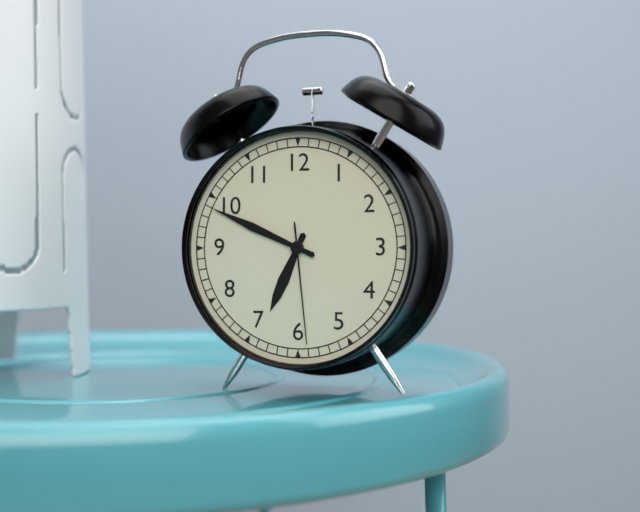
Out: 6h49m29s
